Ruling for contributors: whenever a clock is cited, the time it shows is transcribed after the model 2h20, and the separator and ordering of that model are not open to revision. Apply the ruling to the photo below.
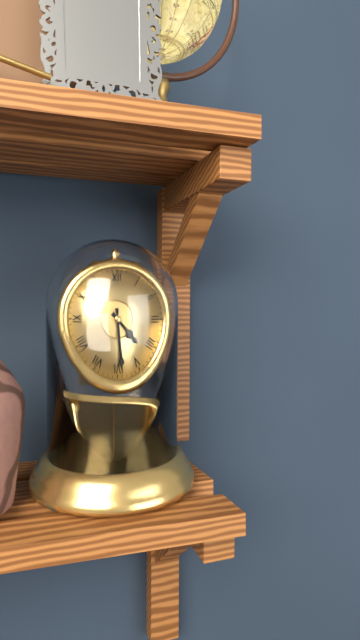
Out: 4h29
